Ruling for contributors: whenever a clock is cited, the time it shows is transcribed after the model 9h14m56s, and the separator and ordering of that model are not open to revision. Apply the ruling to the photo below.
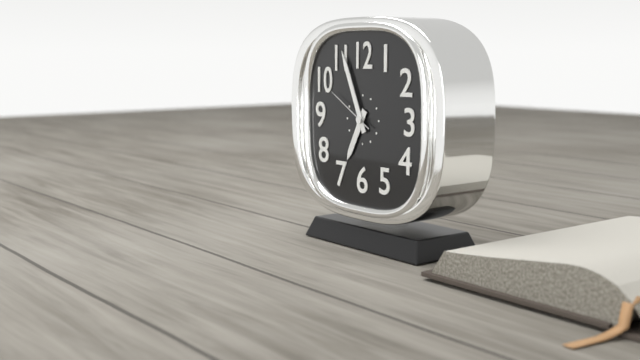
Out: 6h56m50s
